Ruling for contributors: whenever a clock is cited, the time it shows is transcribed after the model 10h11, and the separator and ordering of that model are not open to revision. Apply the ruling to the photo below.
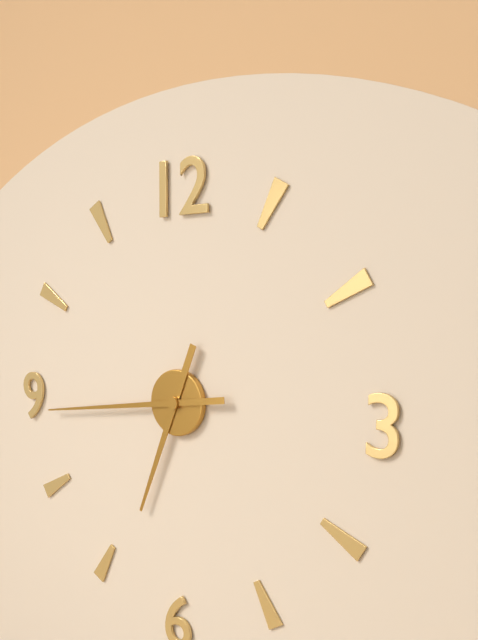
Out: 6h44
